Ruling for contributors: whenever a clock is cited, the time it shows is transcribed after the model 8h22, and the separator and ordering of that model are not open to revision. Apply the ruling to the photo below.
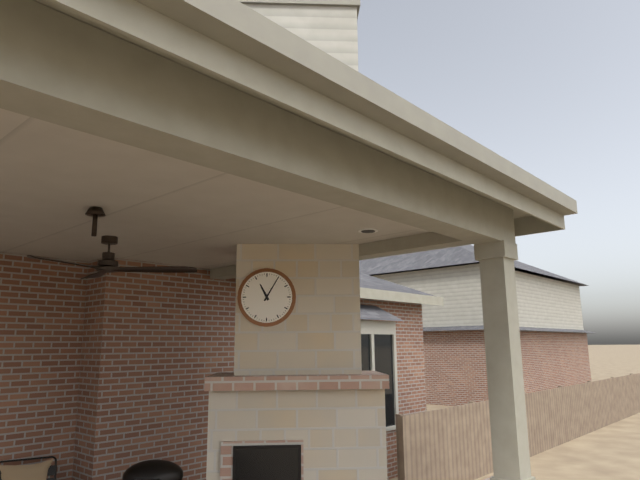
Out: 11h05
